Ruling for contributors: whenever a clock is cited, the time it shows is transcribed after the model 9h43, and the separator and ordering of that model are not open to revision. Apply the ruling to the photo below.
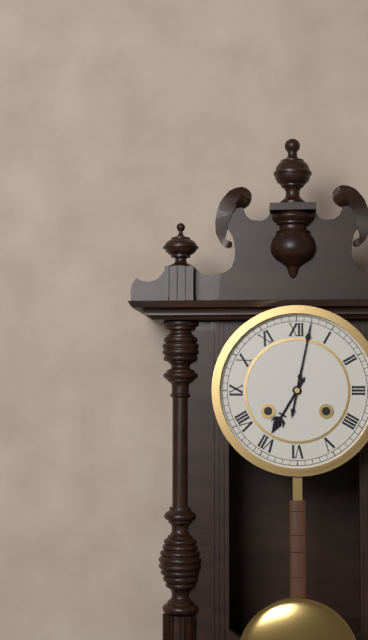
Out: 7h02
